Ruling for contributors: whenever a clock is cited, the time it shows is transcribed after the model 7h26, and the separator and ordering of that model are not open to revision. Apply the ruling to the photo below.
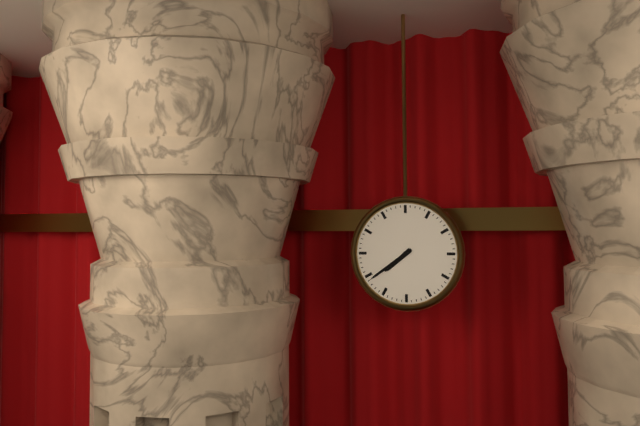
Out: 7h39
